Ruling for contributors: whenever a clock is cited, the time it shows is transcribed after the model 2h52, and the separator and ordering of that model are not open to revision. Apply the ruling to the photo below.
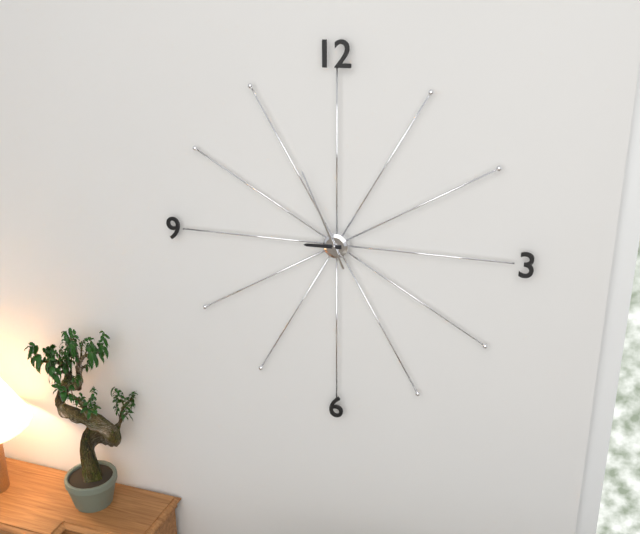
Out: 8h56
